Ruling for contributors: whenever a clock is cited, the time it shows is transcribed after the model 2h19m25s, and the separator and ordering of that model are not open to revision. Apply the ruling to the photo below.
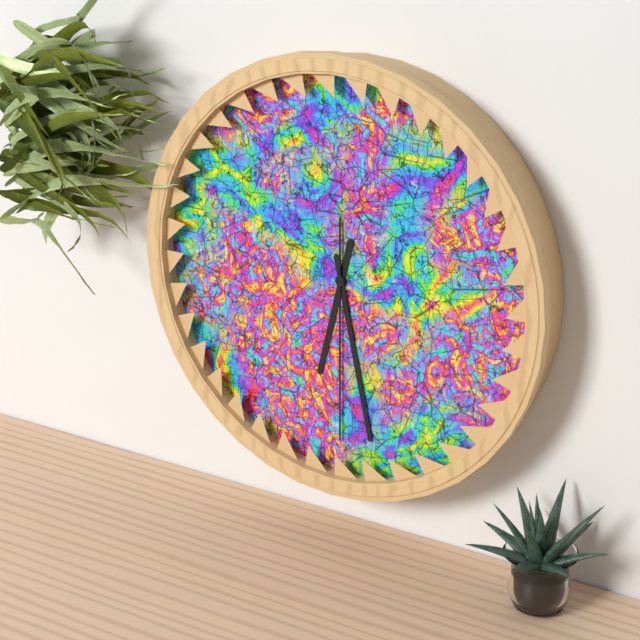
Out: 6h28m30s
